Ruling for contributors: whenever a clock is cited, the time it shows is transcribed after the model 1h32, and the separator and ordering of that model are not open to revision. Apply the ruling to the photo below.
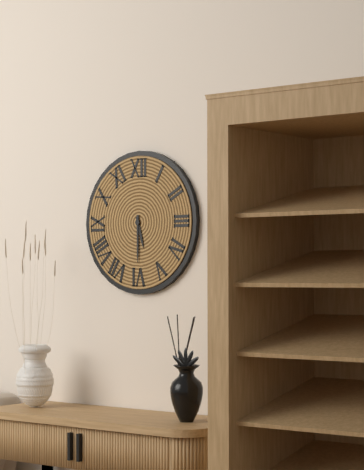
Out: 5h30
